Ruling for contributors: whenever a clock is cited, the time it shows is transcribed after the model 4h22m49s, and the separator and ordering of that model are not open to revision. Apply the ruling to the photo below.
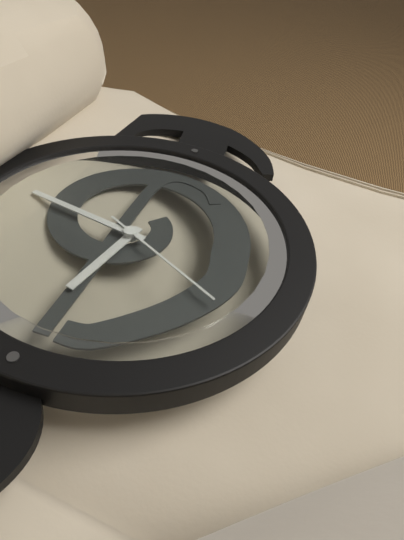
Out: 12h16m49s
